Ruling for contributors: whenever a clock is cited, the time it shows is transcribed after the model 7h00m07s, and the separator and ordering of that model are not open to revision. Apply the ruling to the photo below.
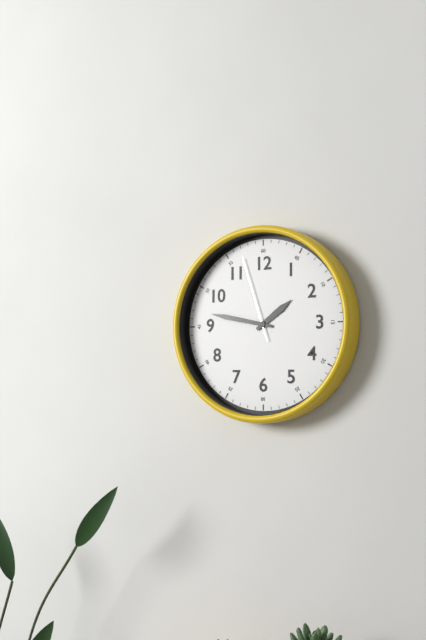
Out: 1h47m57s
